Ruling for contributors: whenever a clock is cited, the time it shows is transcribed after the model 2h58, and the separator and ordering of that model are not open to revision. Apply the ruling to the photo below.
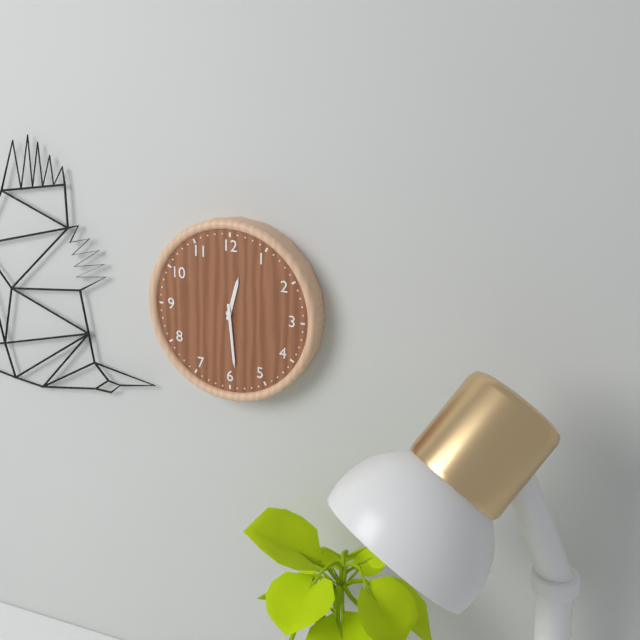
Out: 12h29
